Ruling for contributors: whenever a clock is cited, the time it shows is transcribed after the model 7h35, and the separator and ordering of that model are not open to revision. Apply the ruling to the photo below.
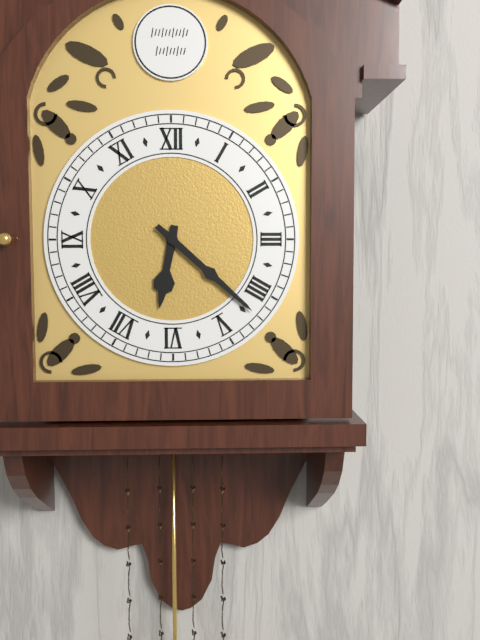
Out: 6h22
